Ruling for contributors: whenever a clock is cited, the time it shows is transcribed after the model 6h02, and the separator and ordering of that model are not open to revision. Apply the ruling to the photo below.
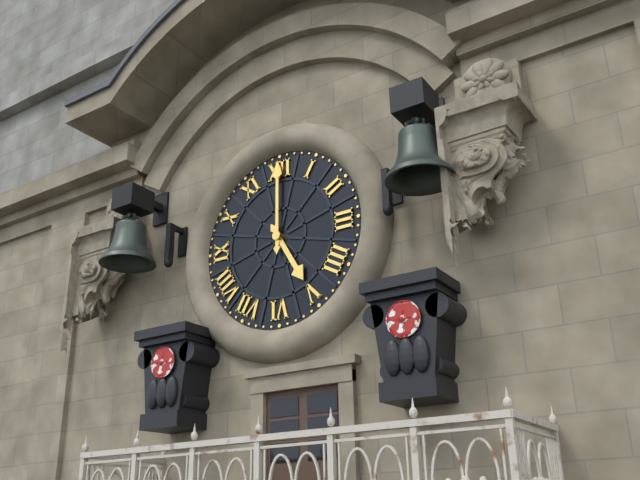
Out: 5h00
